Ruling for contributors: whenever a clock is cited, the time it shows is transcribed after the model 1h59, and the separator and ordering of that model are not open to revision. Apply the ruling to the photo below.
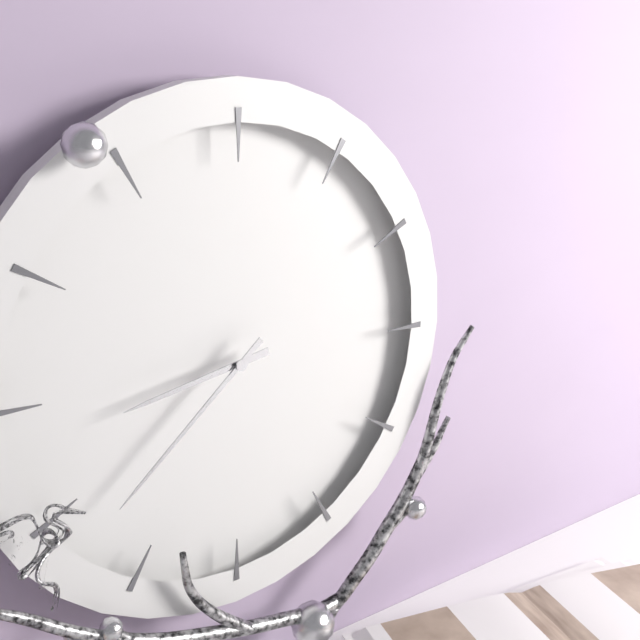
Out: 8h38
